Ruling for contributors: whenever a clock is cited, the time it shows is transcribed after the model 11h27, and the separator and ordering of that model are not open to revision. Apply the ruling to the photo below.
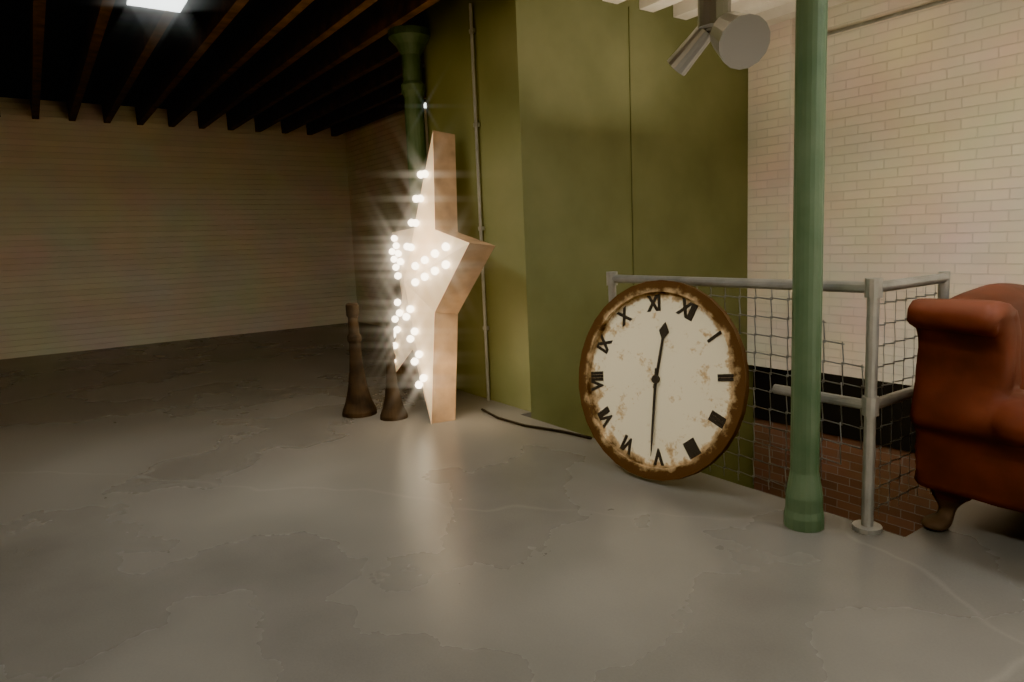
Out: 11h26
